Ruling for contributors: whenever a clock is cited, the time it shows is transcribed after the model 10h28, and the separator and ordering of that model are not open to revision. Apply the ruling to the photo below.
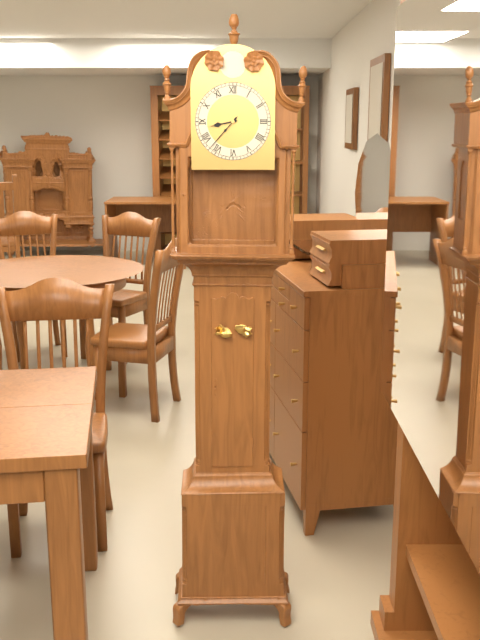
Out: 8h37
